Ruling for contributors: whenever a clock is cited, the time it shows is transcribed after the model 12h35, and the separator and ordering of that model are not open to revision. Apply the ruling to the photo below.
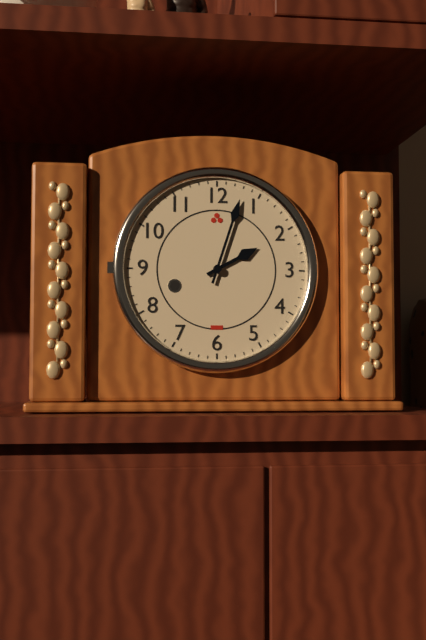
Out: 2h03
